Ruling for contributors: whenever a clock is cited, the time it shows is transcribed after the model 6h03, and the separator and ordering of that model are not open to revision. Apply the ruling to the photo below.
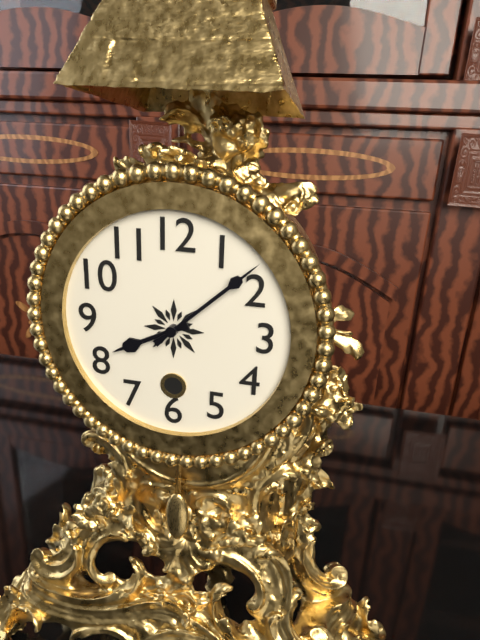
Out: 8h08
